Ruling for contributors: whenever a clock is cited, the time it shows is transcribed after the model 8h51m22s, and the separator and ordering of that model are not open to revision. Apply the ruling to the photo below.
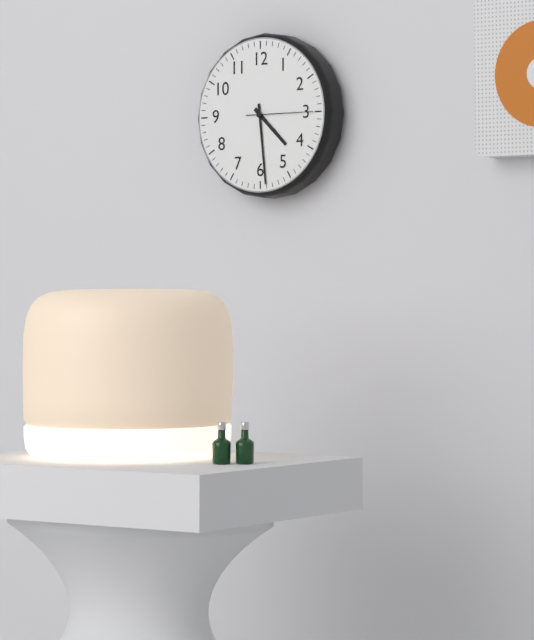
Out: 4h29m15s
